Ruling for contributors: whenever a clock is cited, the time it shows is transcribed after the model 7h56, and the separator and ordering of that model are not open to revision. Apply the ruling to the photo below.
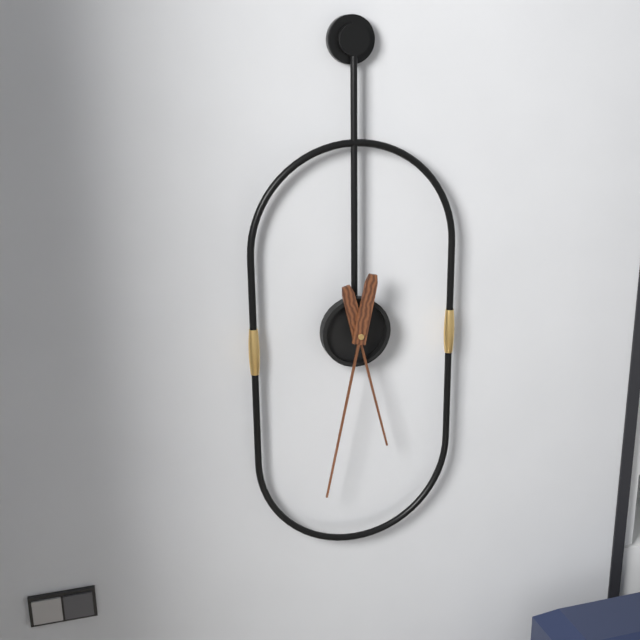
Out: 5h32
